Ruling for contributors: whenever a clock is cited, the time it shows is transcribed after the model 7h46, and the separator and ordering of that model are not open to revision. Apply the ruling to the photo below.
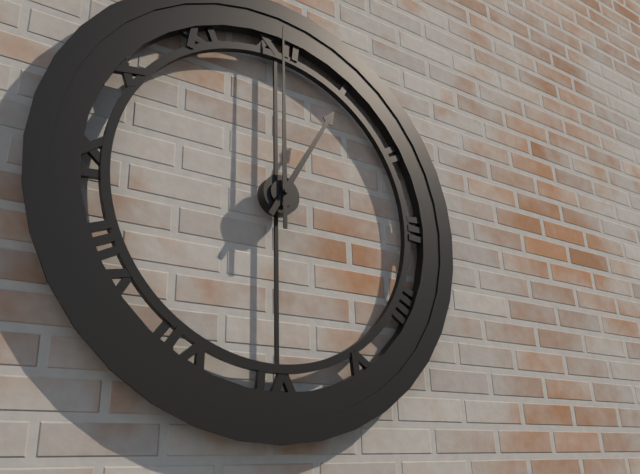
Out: 1h00
